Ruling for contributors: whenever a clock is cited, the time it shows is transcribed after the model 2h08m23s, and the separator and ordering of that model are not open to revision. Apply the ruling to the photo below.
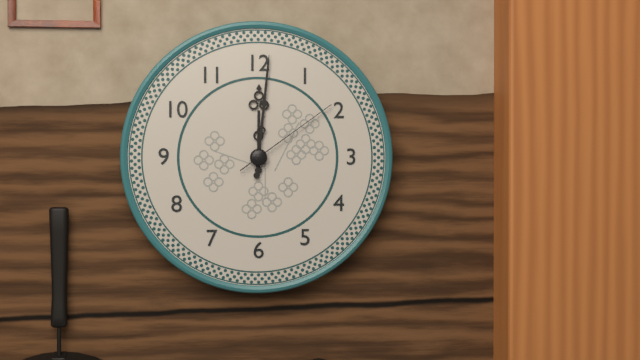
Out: 12h01m09s
